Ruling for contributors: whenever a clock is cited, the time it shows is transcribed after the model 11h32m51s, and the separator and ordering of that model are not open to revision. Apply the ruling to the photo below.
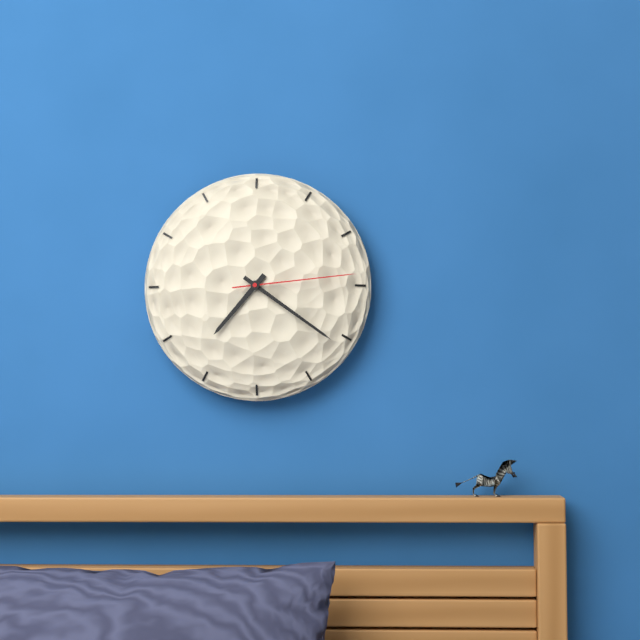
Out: 7h21m14s
